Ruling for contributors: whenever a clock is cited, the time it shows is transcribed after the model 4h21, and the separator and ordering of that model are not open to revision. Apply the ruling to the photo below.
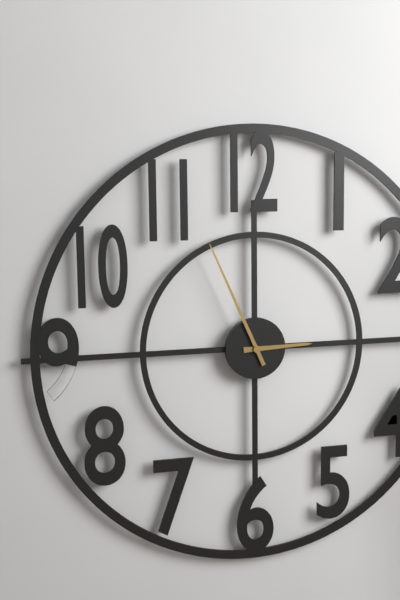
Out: 2h56
